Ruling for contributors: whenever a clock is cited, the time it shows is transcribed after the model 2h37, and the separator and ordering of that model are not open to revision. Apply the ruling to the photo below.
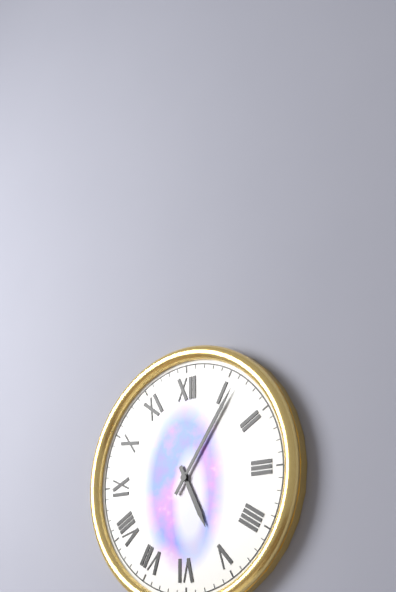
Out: 5h06
